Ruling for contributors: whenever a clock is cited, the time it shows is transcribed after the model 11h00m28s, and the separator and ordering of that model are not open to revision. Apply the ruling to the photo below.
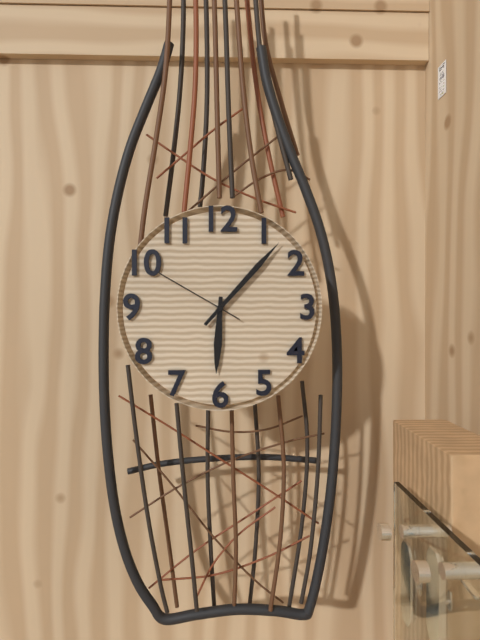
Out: 6h07m50s
